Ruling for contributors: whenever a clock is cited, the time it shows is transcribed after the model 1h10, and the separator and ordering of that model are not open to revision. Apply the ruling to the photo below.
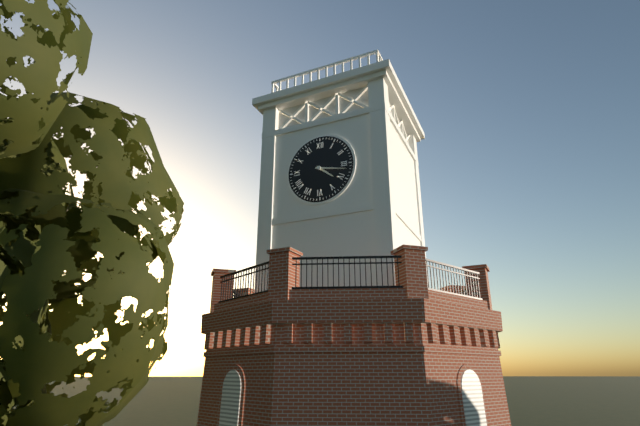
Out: 4h17
